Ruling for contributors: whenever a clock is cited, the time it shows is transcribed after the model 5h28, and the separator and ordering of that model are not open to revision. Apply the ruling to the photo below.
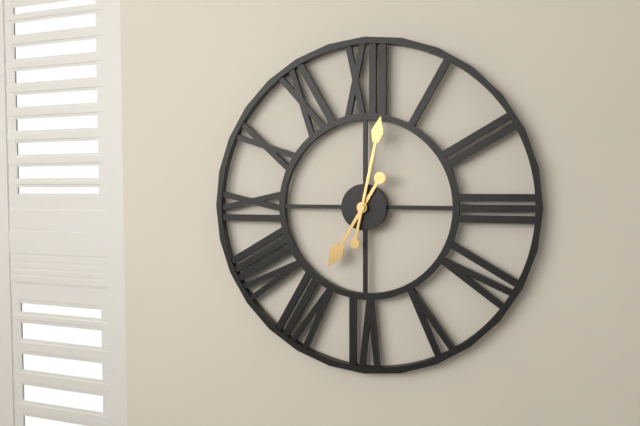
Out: 7h02
